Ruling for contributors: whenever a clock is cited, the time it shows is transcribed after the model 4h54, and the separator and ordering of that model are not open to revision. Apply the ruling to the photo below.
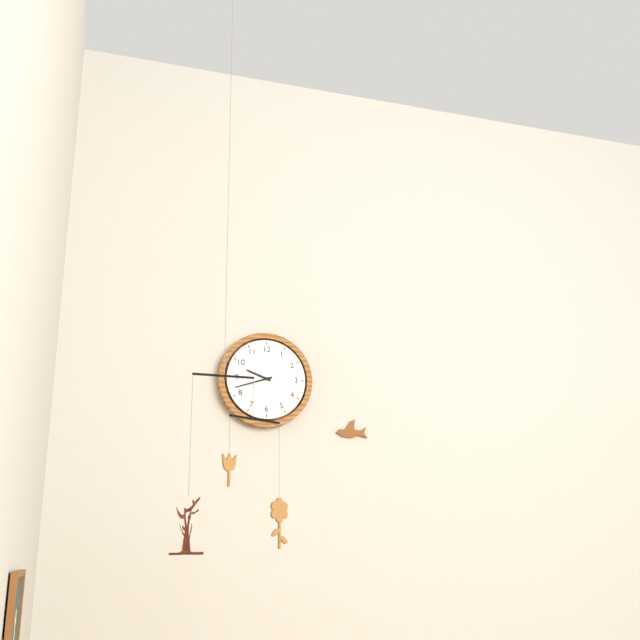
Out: 9h42
